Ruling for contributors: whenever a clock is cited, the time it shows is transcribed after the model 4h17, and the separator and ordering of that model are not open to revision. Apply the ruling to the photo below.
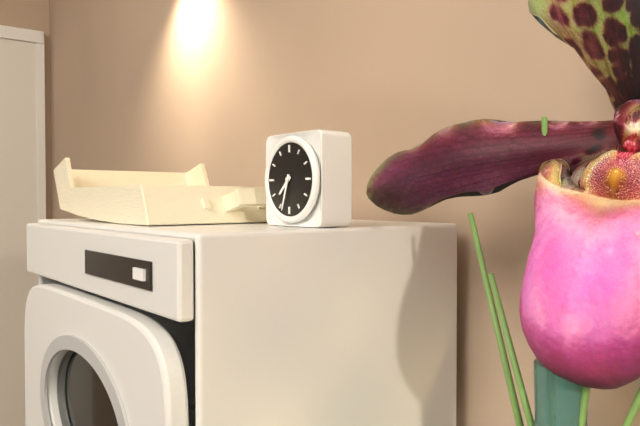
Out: 7h33
